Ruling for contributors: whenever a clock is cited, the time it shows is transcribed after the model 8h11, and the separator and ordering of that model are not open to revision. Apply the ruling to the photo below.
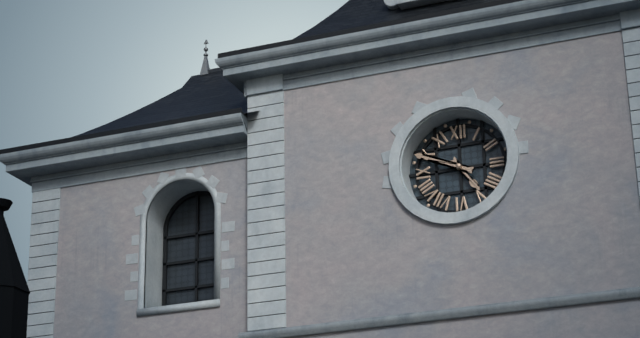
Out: 4h49
